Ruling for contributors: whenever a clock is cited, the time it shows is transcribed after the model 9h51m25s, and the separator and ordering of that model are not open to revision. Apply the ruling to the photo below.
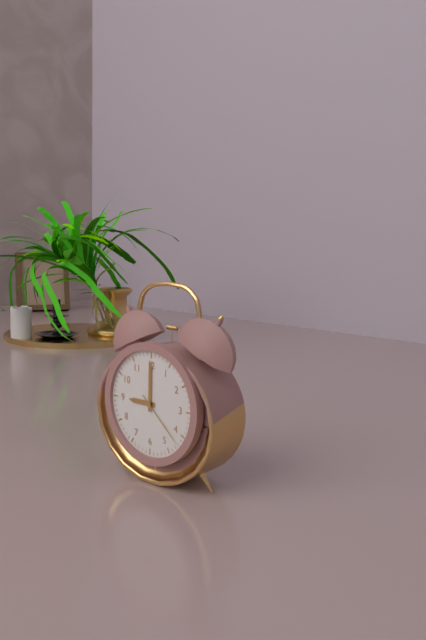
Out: 9h00m22s
